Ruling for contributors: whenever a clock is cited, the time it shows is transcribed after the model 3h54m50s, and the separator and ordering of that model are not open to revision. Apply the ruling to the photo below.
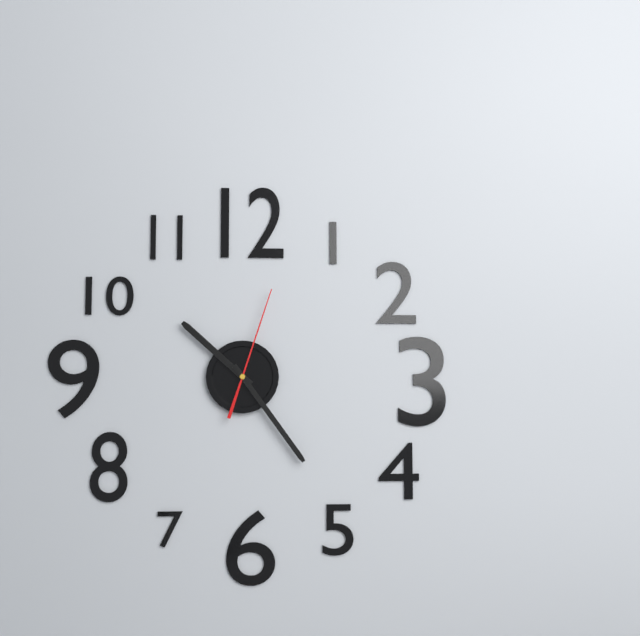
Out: 10h24m03s
